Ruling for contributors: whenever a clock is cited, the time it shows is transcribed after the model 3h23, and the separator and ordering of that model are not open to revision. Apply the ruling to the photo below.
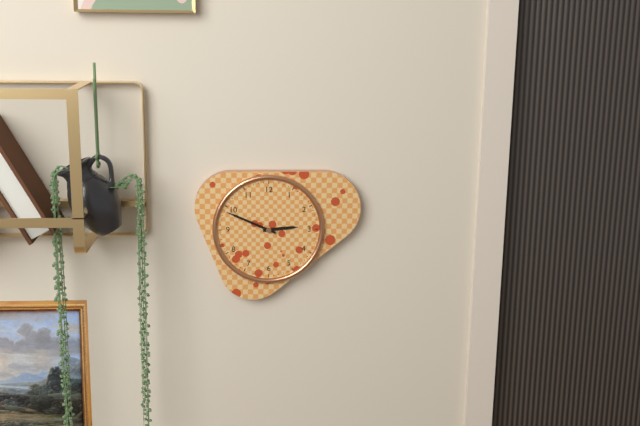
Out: 2h49
